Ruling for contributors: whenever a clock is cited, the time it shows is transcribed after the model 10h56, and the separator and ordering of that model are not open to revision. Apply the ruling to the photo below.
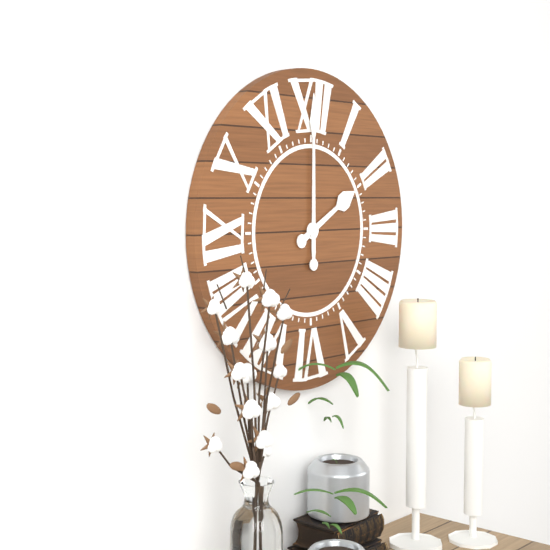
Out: 2h00
